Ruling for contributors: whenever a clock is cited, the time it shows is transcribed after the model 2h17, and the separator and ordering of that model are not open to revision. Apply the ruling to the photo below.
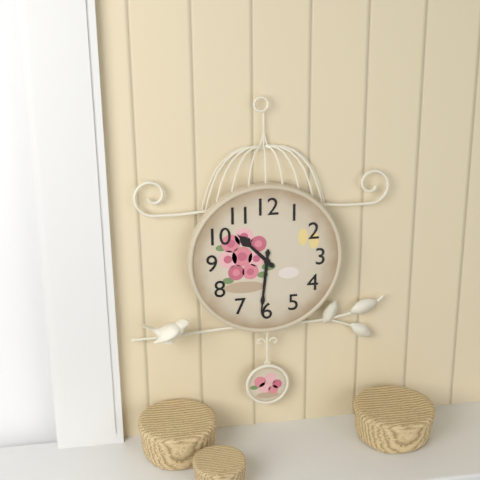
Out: 10h31
